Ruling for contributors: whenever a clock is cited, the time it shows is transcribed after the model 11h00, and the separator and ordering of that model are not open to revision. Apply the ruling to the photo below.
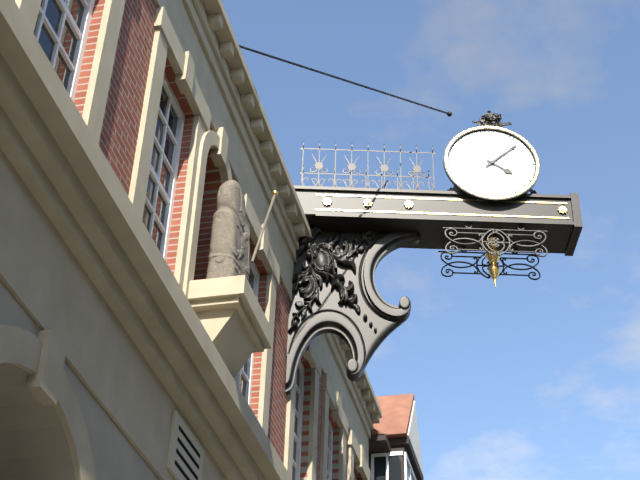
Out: 4h08
